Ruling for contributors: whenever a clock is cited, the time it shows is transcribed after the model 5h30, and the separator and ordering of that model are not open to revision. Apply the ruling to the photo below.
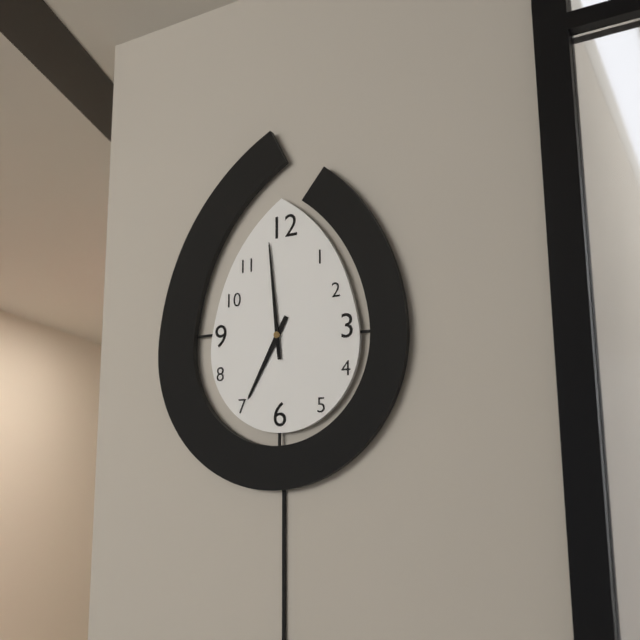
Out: 6h59
